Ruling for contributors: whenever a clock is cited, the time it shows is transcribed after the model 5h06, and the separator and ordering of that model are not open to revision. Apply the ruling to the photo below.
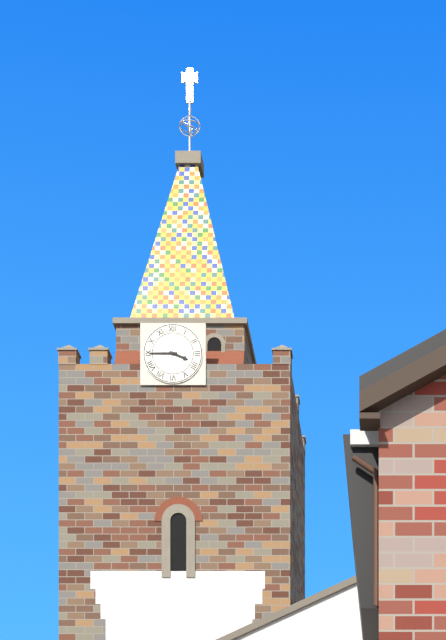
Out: 3h45
